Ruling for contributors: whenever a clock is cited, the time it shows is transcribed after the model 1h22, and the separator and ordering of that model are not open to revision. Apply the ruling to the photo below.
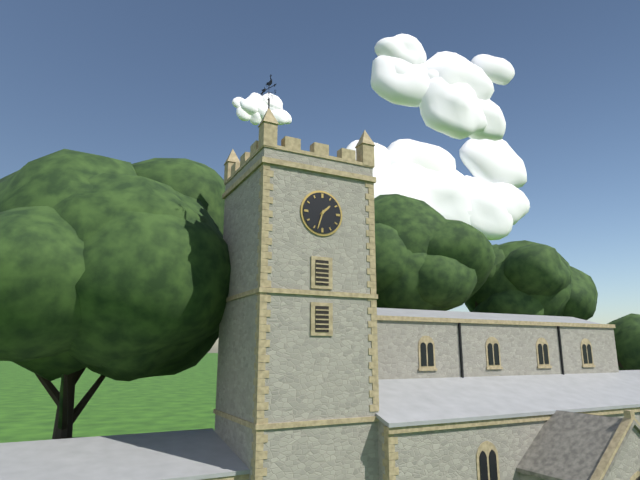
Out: 1h33
